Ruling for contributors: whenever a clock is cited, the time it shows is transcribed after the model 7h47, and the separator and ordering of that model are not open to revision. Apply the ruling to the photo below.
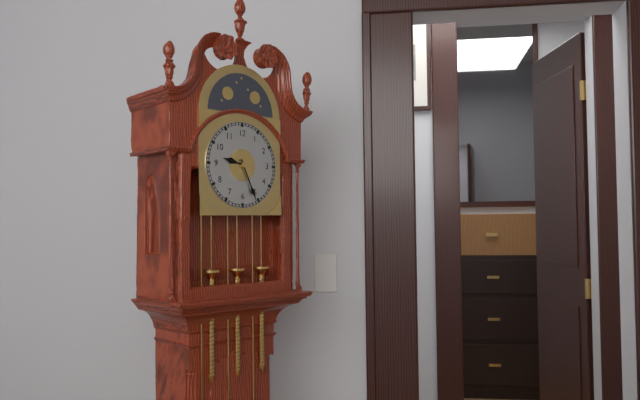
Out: 9h26
